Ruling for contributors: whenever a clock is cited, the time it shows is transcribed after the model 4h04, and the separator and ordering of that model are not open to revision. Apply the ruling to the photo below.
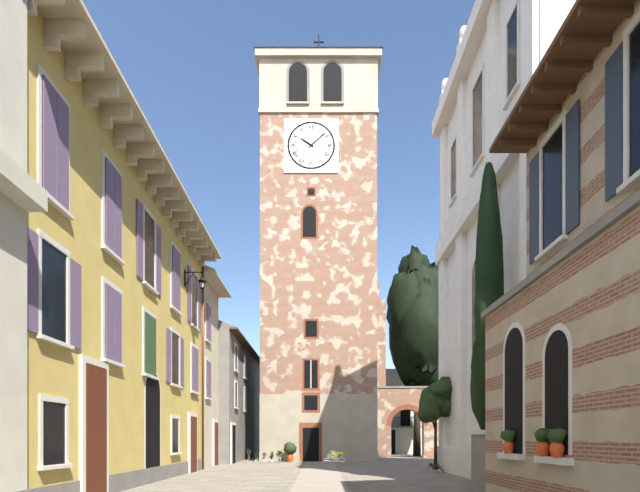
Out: 10h08
